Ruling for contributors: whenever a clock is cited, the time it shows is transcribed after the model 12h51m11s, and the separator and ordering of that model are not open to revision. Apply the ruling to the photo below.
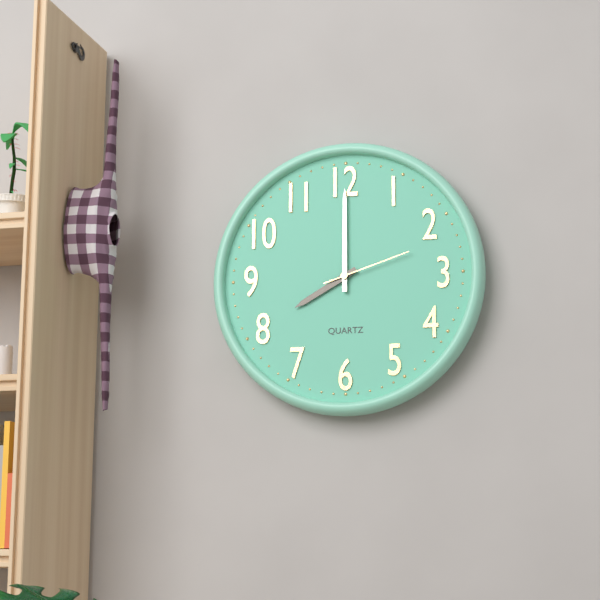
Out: 8h00m12s
